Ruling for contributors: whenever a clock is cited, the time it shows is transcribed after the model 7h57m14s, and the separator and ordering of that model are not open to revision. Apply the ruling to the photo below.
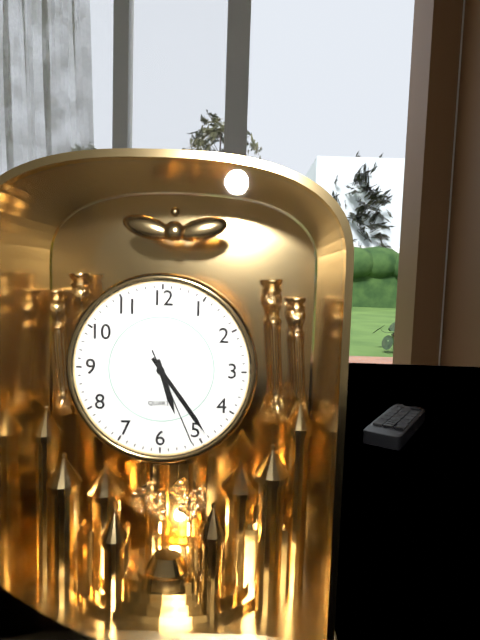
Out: 5h24m26s
